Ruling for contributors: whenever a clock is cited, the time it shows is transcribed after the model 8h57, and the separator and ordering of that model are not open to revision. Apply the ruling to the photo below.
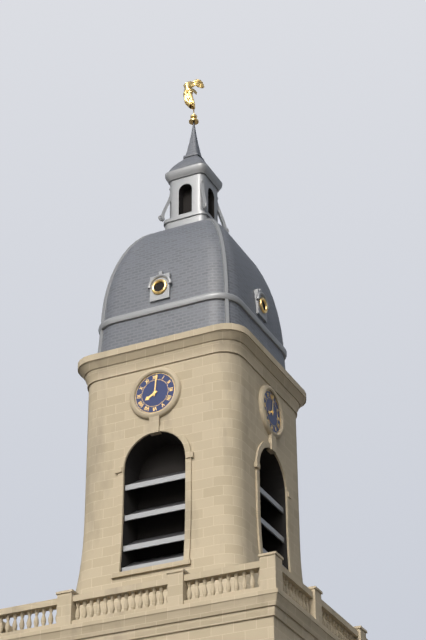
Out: 8h01
